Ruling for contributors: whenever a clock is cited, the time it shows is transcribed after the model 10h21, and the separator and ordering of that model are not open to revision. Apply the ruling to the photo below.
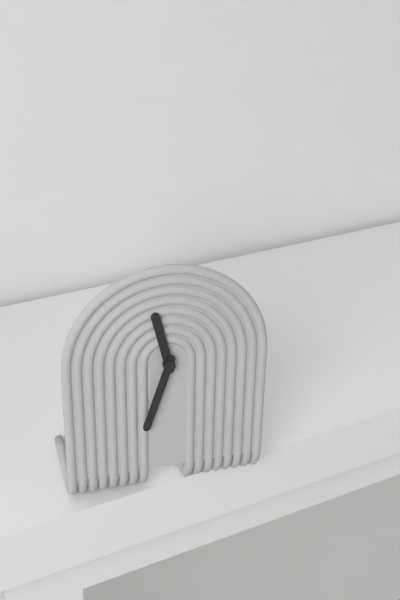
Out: 11h33
